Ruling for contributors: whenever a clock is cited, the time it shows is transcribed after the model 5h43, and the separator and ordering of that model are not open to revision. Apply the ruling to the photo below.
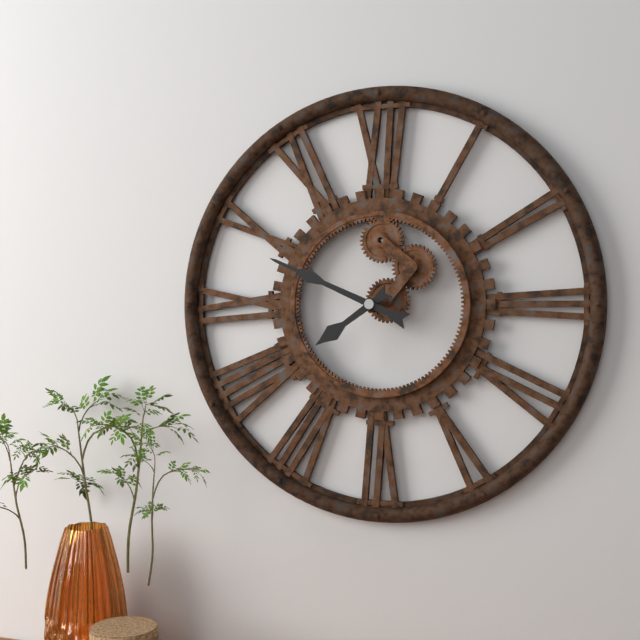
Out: 7h49
